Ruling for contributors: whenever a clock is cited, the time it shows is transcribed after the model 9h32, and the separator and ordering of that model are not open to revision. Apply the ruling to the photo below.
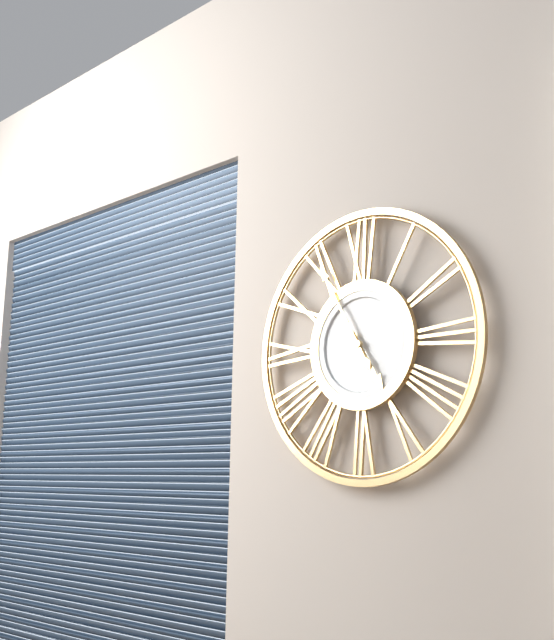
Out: 4h55
